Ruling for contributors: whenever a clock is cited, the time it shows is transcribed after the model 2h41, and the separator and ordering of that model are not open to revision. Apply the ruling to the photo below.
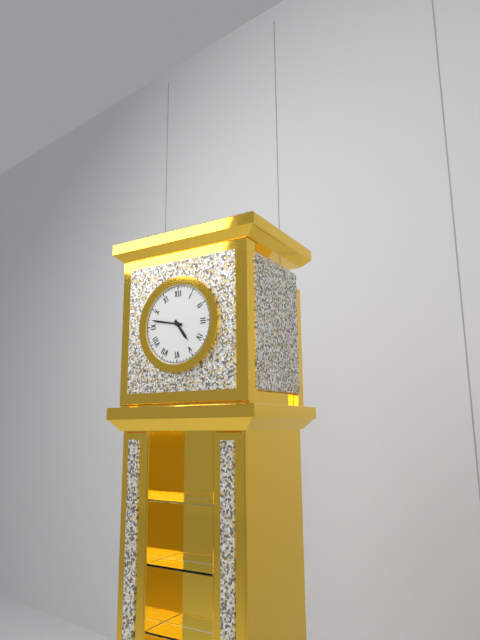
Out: 4h47
